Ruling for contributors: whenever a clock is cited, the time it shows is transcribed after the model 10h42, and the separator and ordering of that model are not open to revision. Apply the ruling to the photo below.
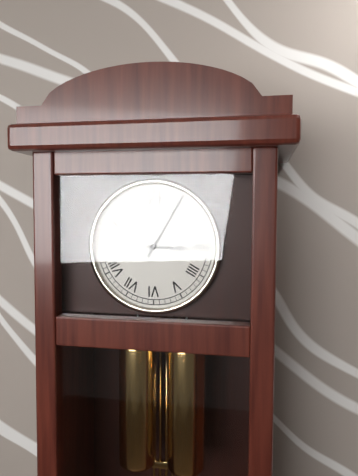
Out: 3h05
